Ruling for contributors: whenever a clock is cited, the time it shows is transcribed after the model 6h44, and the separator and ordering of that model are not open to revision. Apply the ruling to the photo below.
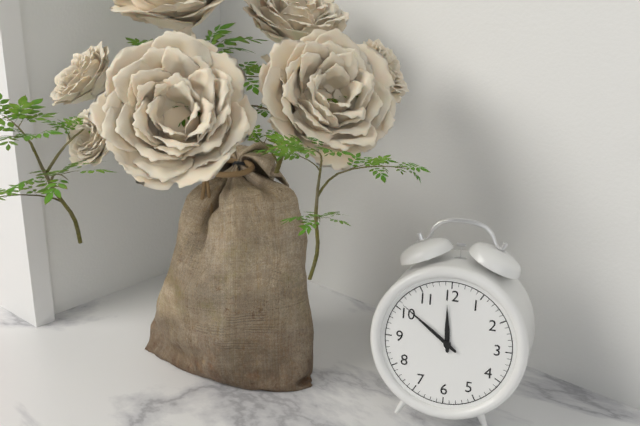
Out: 11h51
